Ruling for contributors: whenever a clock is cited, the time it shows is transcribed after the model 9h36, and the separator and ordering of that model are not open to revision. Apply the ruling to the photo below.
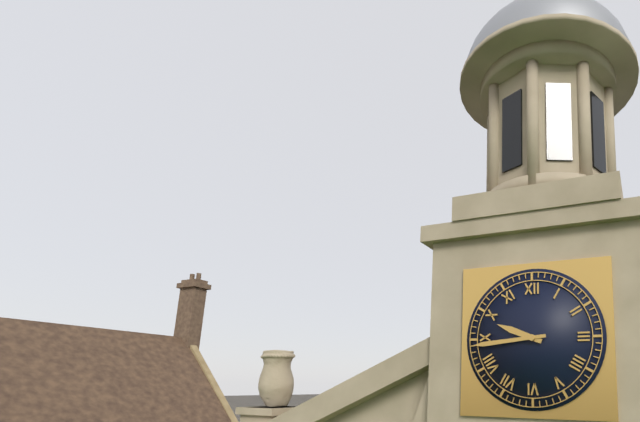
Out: 9h44
